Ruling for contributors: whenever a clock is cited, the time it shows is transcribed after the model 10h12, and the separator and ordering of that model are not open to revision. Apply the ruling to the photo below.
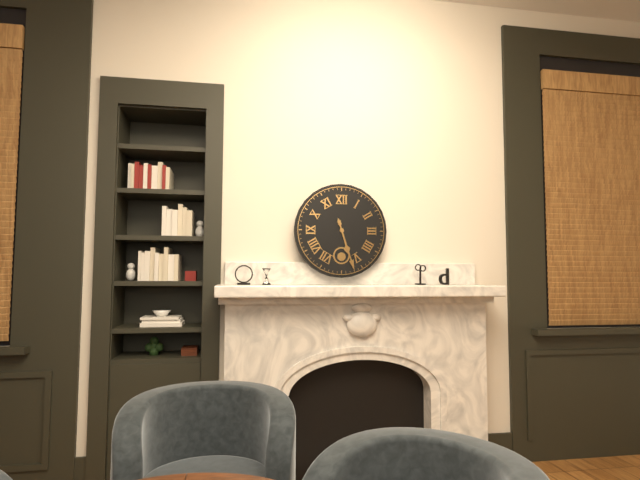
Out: 5h27
